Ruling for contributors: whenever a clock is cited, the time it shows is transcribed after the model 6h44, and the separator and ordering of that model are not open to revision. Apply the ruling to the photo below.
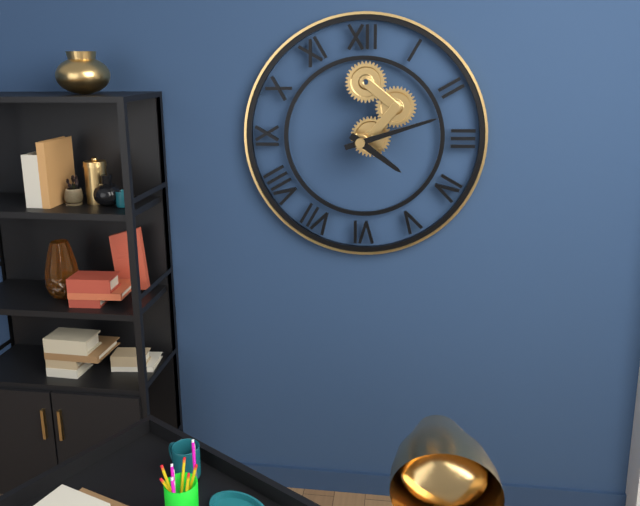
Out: 4h12
